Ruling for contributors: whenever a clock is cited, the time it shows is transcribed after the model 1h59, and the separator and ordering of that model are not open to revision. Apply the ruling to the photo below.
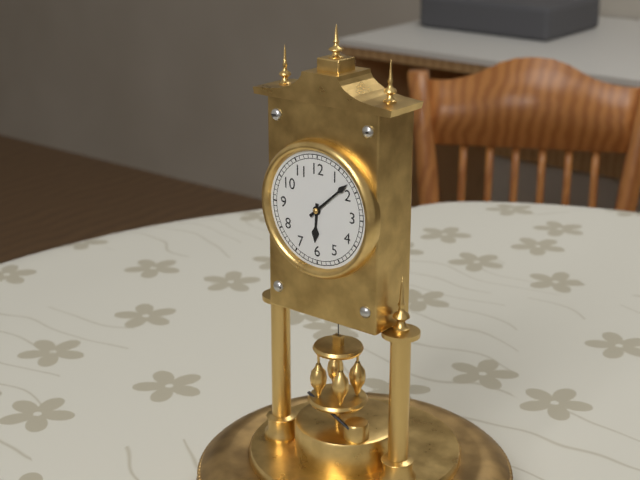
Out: 6h08
